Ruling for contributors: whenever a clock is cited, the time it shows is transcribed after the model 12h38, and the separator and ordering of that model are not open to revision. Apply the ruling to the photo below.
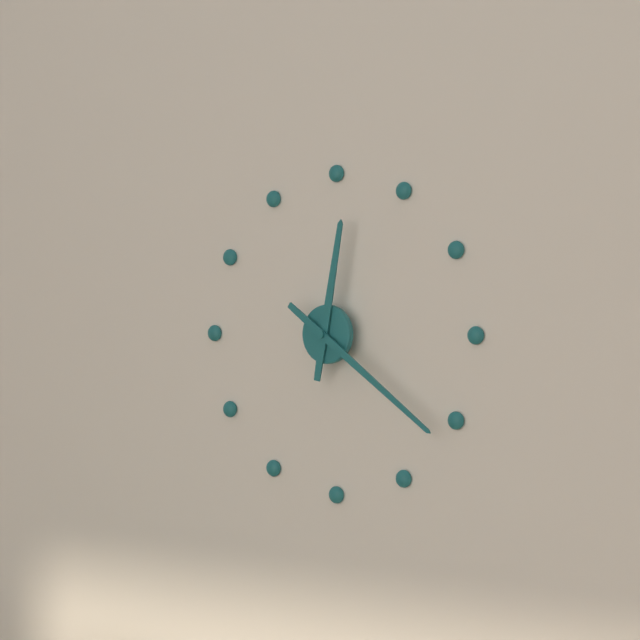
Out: 12h21
